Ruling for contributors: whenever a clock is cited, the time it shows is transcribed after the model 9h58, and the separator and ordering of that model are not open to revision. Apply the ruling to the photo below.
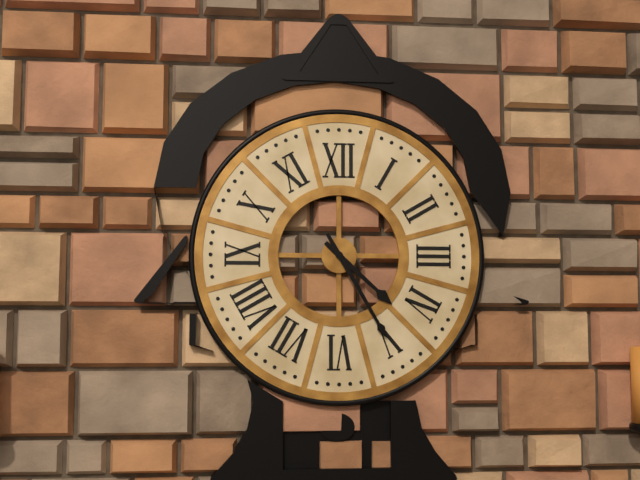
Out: 4h25
